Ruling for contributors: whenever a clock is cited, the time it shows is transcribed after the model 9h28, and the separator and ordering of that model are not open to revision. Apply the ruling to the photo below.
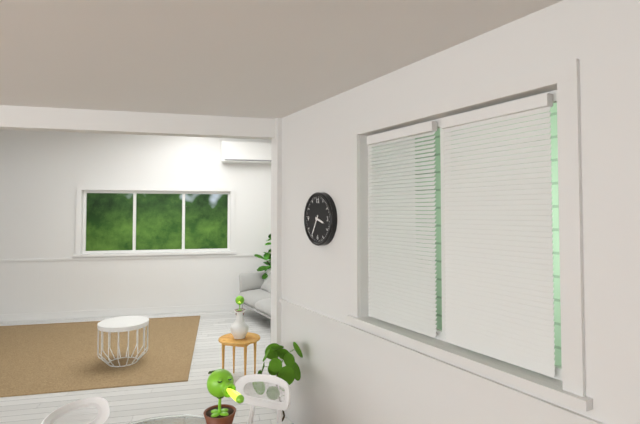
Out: 3h35
